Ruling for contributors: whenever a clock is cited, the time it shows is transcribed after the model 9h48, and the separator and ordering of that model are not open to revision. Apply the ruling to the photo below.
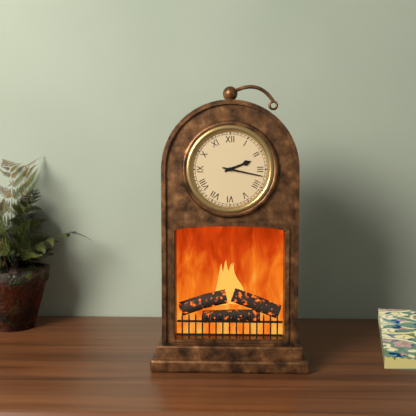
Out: 2h17
